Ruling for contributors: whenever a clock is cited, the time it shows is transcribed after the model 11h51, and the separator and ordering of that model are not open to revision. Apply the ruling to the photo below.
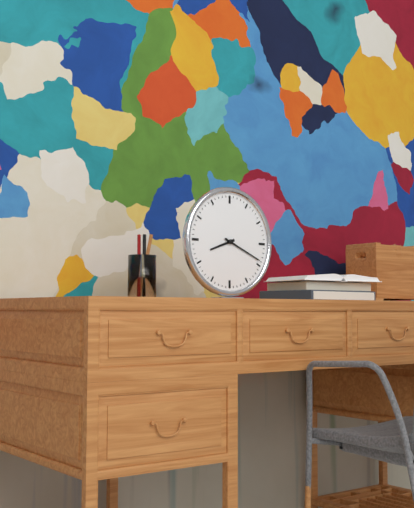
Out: 8h19
